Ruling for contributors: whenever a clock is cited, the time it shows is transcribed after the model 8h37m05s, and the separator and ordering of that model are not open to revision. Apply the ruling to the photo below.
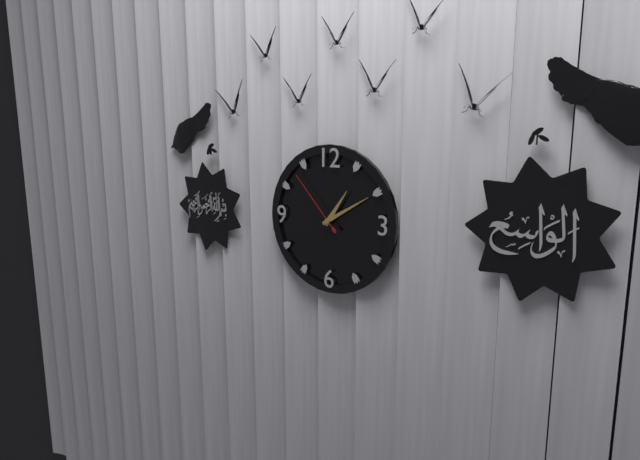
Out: 1h10m53s
